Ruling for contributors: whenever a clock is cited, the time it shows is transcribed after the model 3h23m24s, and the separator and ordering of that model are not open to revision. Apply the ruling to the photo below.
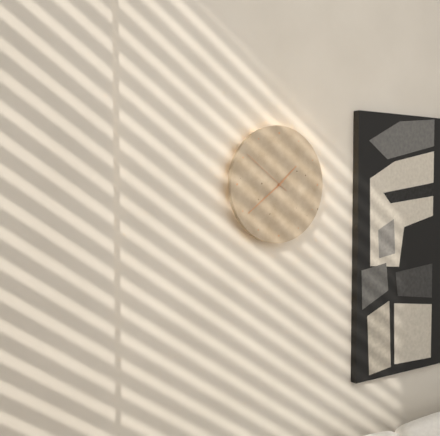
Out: 1h39m51s
